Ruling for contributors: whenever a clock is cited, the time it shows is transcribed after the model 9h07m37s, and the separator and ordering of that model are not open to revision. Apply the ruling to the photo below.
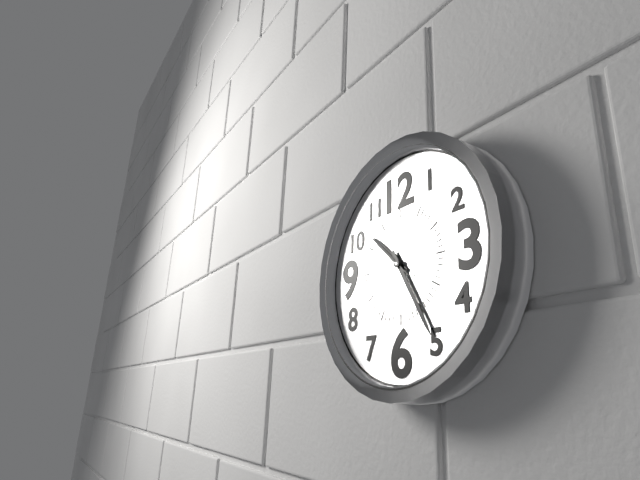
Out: 10h25m52s
